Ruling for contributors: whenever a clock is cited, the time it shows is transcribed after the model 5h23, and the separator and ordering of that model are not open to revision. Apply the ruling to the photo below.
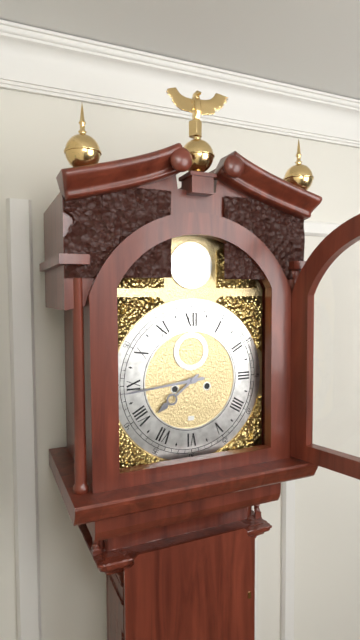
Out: 7h44
